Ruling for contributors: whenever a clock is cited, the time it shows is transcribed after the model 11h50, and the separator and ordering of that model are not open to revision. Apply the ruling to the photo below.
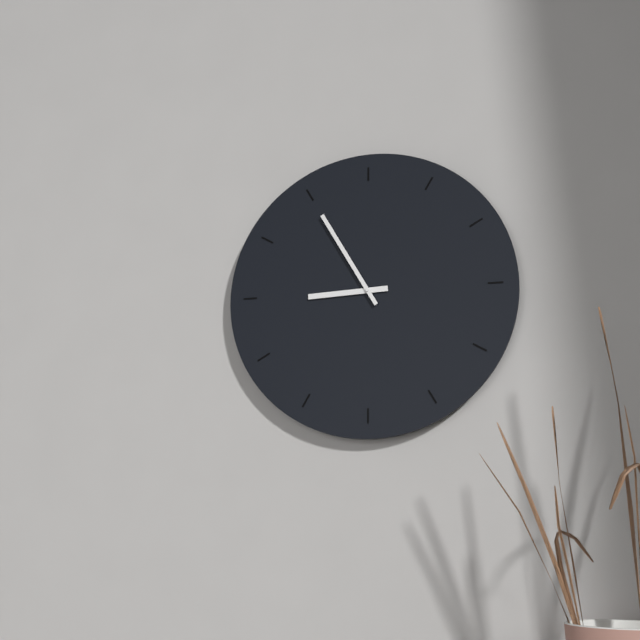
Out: 8h55
